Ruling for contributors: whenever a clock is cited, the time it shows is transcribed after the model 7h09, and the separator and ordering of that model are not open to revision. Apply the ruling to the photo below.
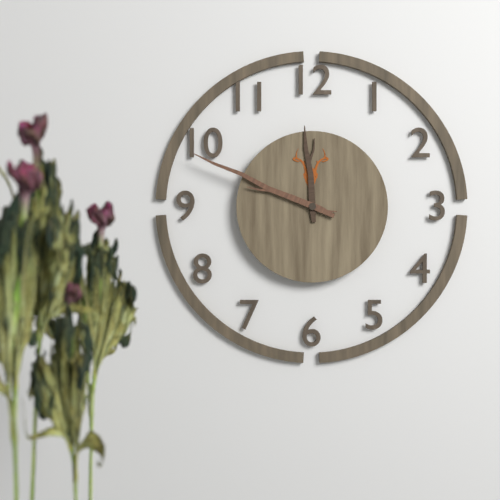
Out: 11h49
